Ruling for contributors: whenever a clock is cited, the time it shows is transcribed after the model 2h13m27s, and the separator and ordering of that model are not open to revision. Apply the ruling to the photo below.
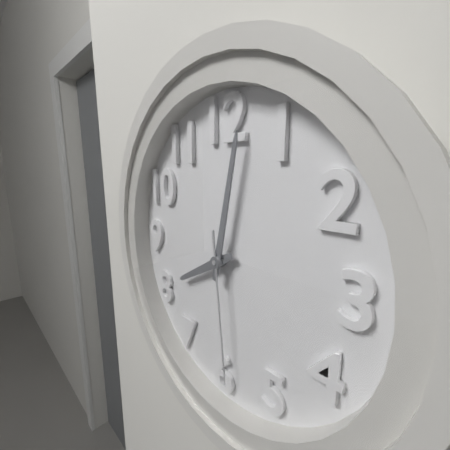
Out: 8h02m29s
